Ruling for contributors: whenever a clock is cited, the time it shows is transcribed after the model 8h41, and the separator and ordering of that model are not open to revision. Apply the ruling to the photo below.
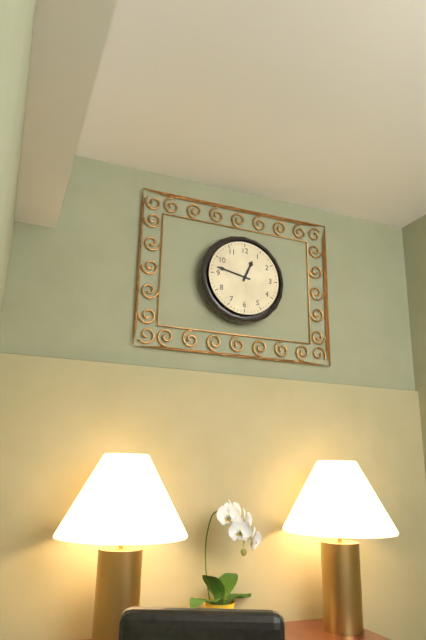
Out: 12h47
